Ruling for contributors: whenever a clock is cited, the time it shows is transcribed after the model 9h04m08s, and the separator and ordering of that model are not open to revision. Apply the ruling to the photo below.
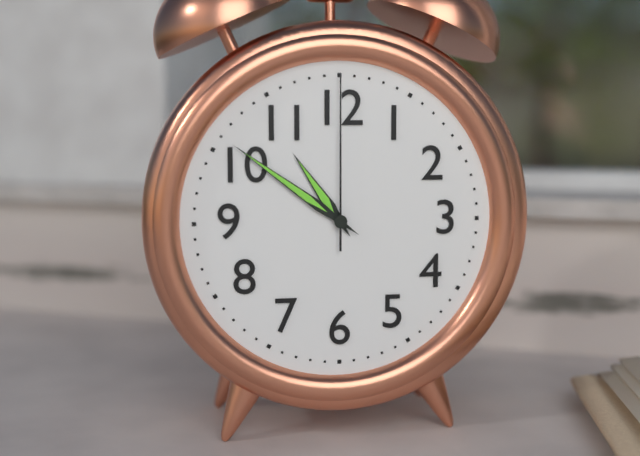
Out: 10h51m00s
